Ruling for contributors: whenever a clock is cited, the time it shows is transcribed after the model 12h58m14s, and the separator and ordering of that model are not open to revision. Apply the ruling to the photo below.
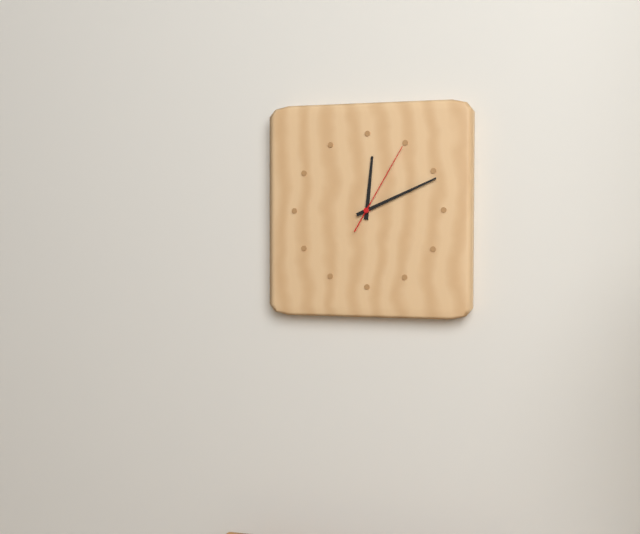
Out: 12h11m05s
